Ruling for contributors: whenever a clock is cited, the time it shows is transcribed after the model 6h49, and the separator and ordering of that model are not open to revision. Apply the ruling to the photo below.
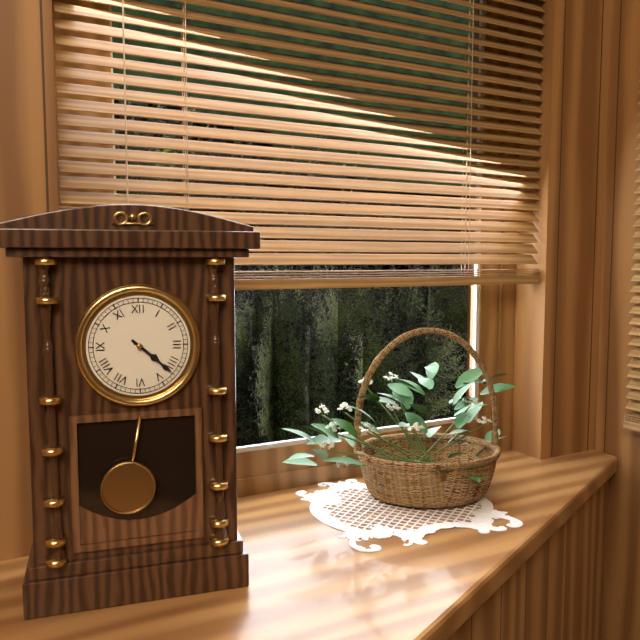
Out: 4h22
